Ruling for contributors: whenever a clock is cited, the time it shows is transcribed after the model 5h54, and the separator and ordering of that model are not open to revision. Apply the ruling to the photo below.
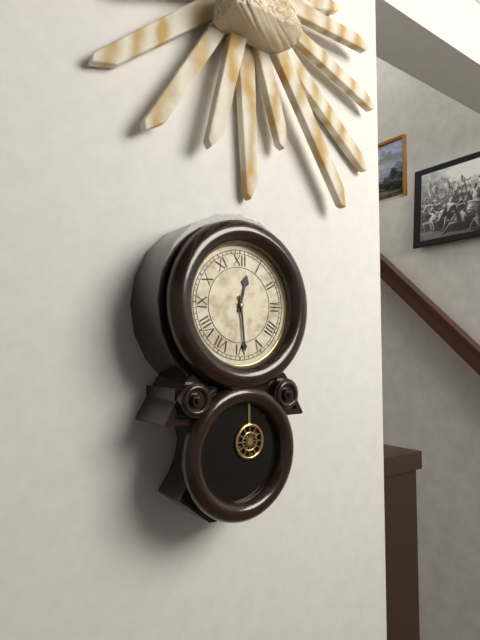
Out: 12h29
